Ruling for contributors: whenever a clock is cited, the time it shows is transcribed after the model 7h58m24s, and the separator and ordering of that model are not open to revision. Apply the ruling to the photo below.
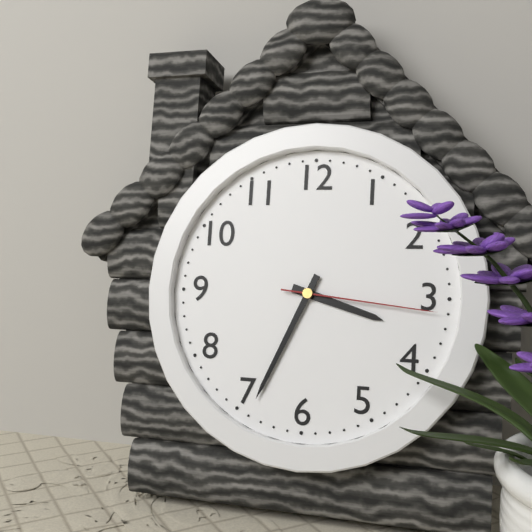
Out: 3h34m16s
